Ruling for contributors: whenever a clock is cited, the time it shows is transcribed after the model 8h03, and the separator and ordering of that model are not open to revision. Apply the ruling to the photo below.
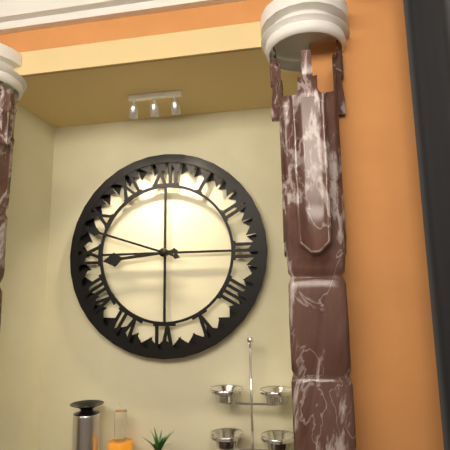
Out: 8h48
